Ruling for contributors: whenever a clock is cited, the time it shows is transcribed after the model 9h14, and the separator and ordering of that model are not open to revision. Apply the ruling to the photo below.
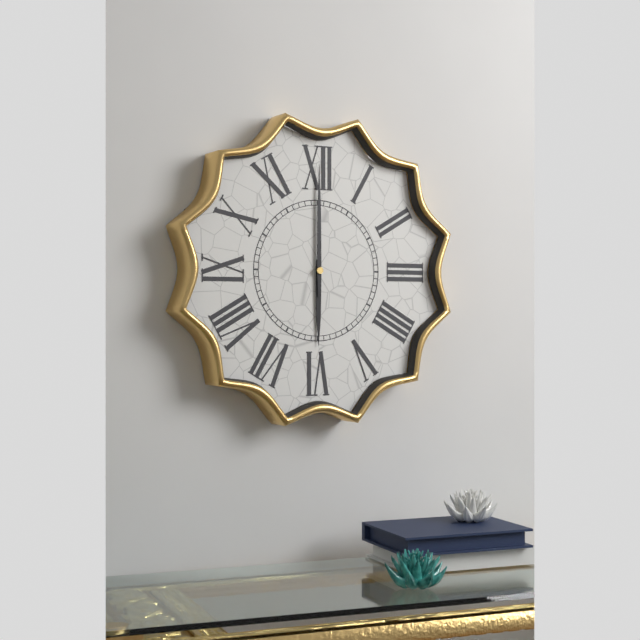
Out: 6h00
